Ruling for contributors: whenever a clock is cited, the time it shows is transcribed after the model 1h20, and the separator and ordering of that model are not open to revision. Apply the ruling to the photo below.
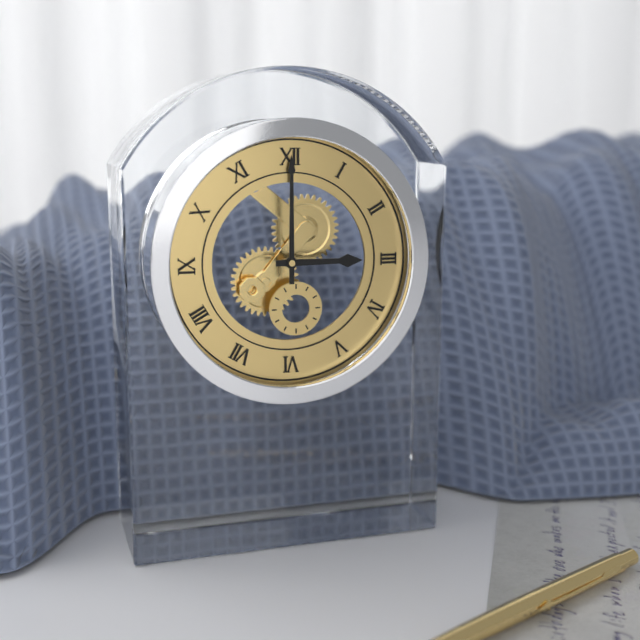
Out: 3h00
